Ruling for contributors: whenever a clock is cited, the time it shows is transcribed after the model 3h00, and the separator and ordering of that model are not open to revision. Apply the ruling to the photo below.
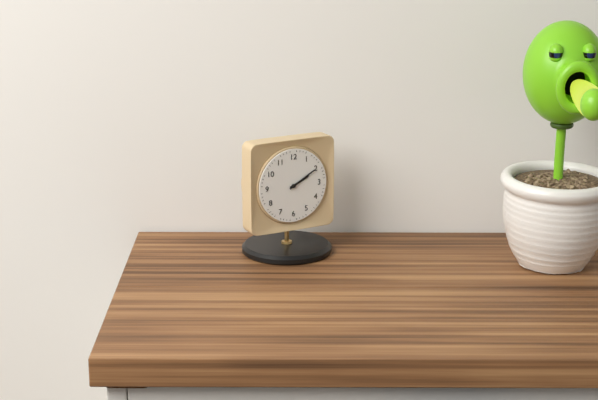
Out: 2h10
